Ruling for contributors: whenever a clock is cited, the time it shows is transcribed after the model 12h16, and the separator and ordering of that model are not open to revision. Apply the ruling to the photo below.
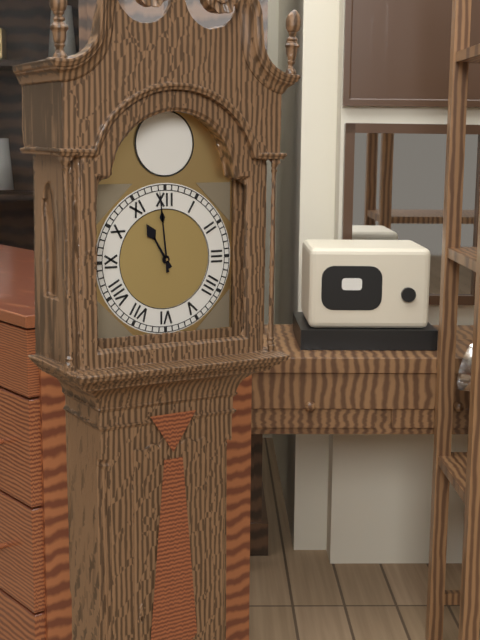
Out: 10h59
